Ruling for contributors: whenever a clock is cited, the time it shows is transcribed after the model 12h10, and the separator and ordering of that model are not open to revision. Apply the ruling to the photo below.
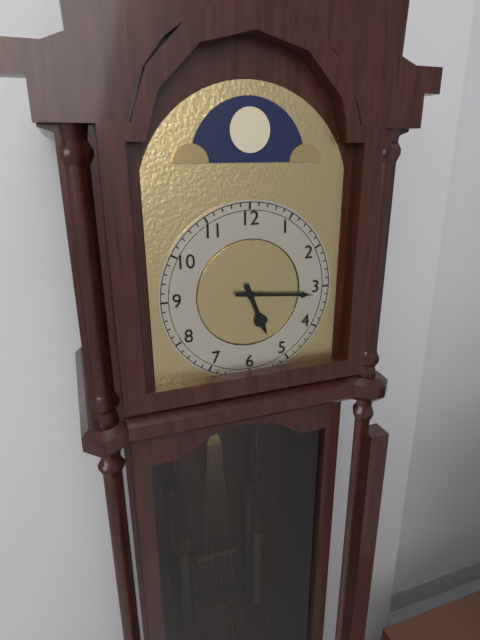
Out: 5h16
